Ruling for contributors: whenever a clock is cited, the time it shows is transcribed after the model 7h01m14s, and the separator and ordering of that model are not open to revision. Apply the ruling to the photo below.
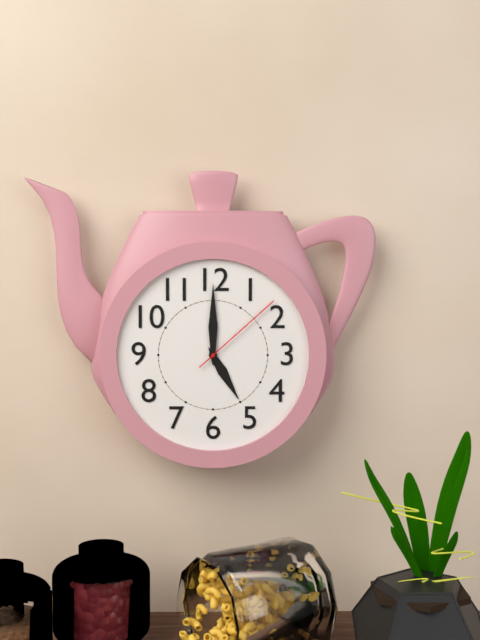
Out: 5h00m08s
